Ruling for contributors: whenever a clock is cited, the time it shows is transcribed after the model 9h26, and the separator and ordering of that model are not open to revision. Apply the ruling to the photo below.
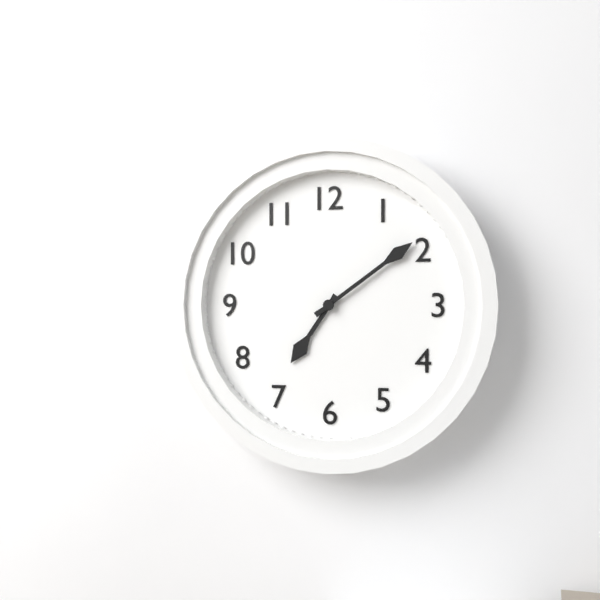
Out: 7h09
